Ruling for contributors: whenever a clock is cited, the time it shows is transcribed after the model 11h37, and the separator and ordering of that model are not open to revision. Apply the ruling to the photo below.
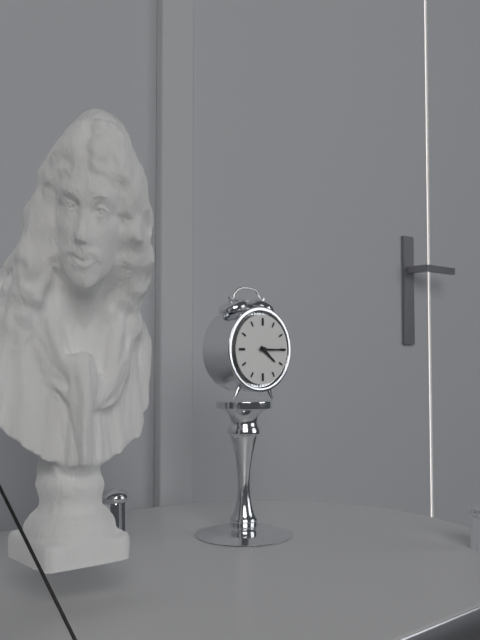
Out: 4h15
